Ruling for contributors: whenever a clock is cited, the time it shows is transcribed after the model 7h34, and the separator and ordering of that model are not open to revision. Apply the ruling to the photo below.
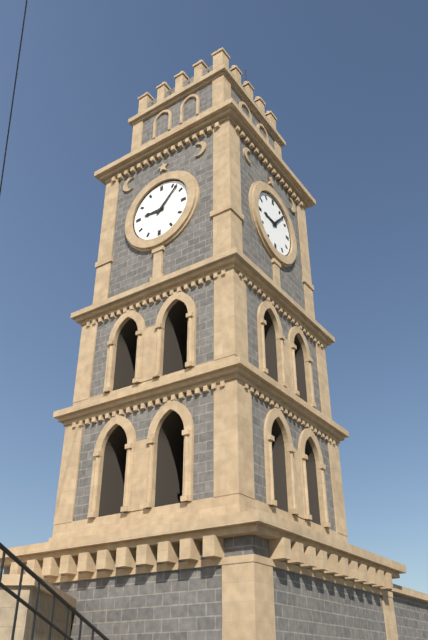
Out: 9h07
